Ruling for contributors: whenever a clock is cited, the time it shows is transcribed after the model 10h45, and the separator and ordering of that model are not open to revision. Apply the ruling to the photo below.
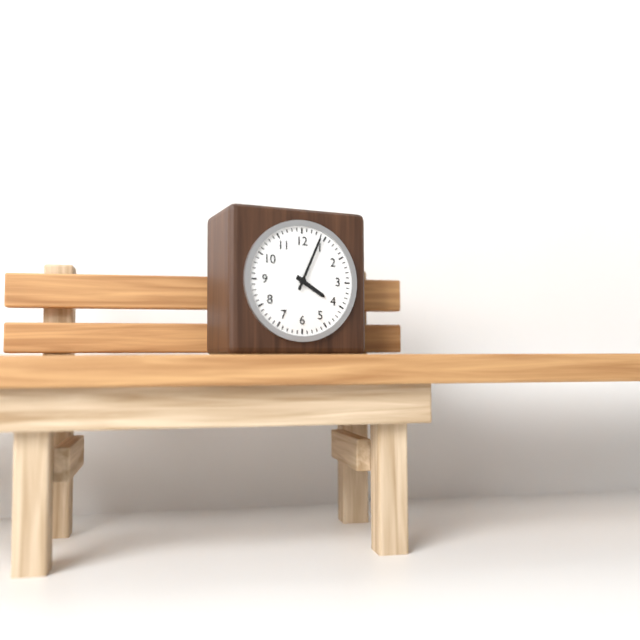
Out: 4h04
